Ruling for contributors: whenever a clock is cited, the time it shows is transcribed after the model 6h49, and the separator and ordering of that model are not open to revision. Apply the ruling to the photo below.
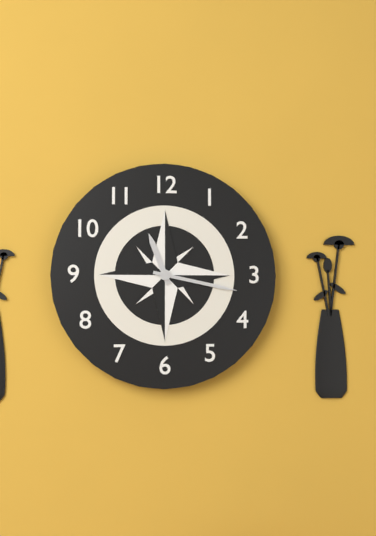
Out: 11h17
